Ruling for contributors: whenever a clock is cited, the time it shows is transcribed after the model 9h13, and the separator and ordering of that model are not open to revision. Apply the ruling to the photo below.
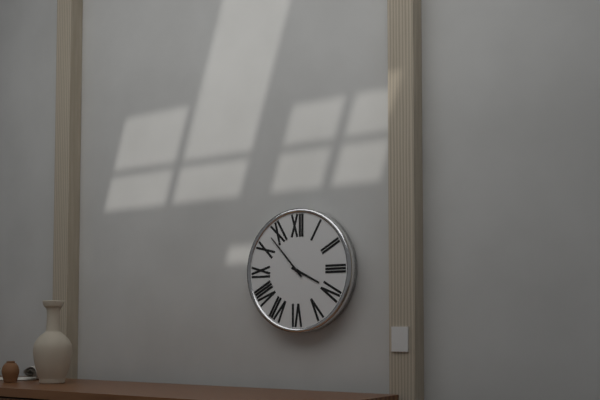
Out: 3h53
